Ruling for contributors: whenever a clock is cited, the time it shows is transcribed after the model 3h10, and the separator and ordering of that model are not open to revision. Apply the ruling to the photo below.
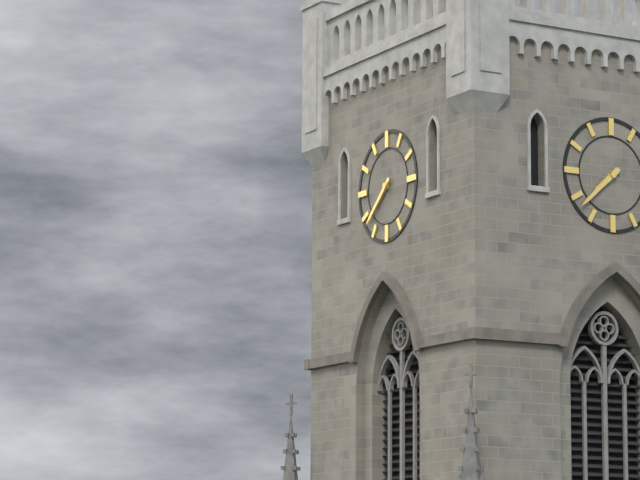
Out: 7h38
